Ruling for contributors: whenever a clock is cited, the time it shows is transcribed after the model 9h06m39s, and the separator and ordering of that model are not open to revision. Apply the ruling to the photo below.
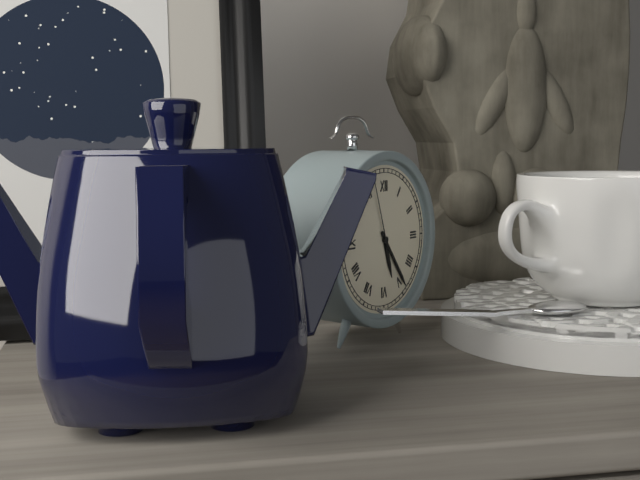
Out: 5h24m57s
